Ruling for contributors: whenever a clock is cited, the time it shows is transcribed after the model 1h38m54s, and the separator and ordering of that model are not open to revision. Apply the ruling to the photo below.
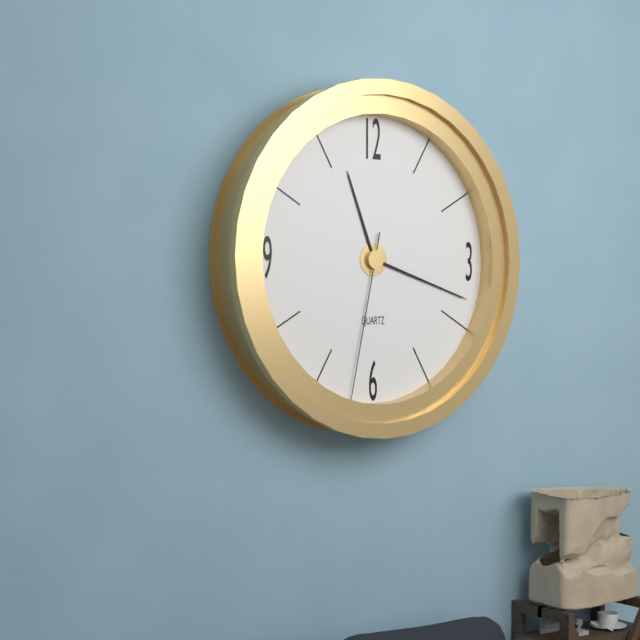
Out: 11h18m32s
